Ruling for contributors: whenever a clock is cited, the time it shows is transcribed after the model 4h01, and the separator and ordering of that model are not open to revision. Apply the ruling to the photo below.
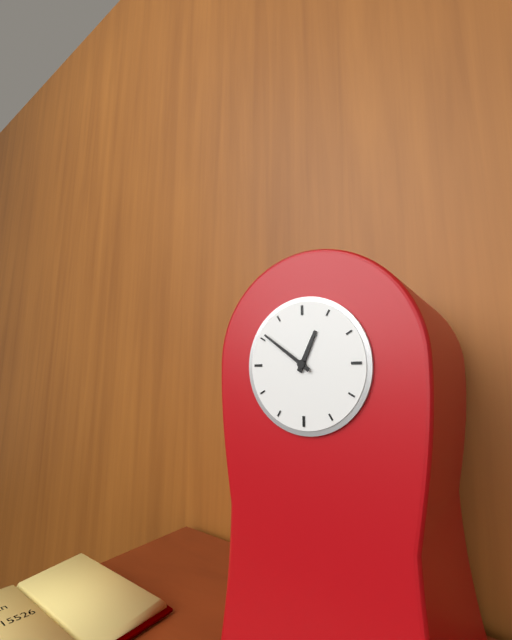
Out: 12h51
